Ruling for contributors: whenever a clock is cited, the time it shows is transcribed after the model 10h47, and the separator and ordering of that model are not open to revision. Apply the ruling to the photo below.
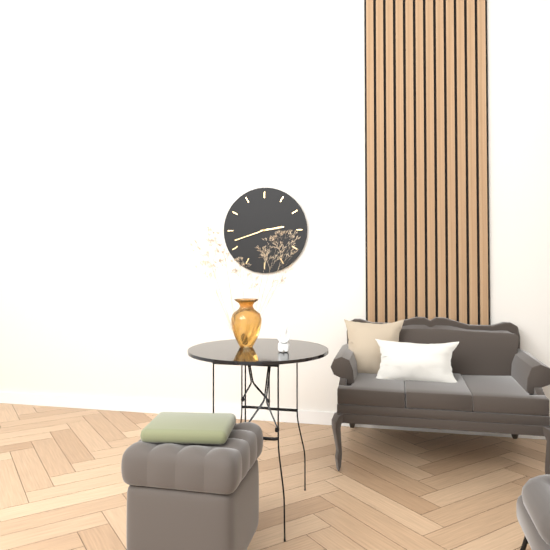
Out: 2h42
